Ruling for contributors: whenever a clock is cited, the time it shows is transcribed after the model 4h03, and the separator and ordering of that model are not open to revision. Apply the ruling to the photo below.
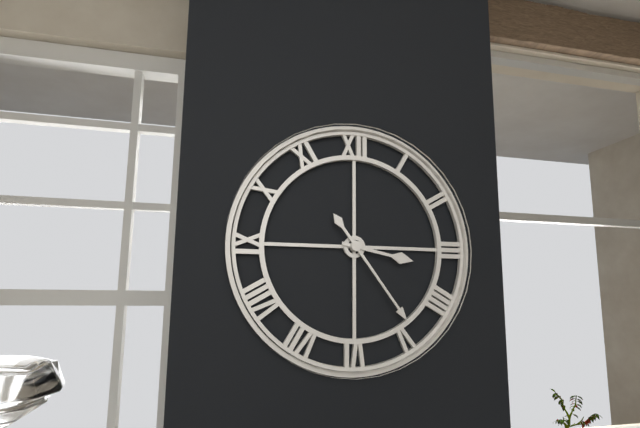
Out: 3h24
